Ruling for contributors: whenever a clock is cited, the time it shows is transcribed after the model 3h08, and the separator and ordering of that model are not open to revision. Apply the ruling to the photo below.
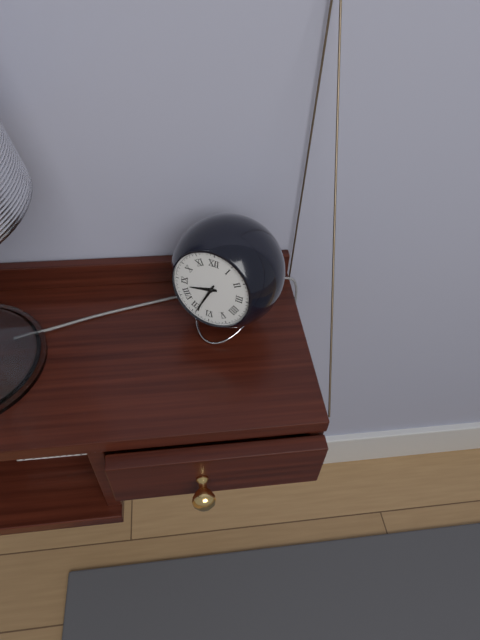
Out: 8h34
